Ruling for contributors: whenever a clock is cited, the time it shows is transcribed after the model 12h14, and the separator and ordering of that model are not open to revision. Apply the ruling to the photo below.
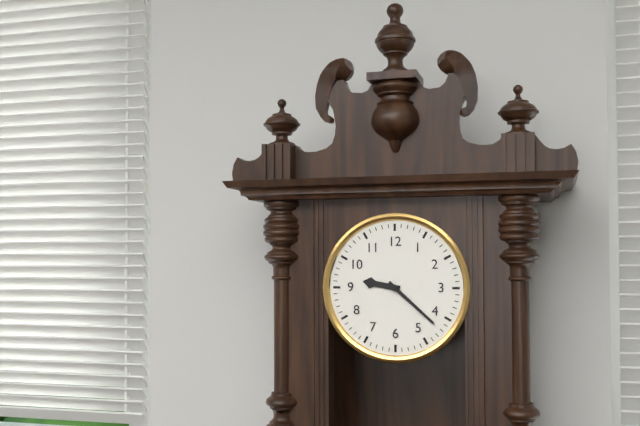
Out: 9h22
